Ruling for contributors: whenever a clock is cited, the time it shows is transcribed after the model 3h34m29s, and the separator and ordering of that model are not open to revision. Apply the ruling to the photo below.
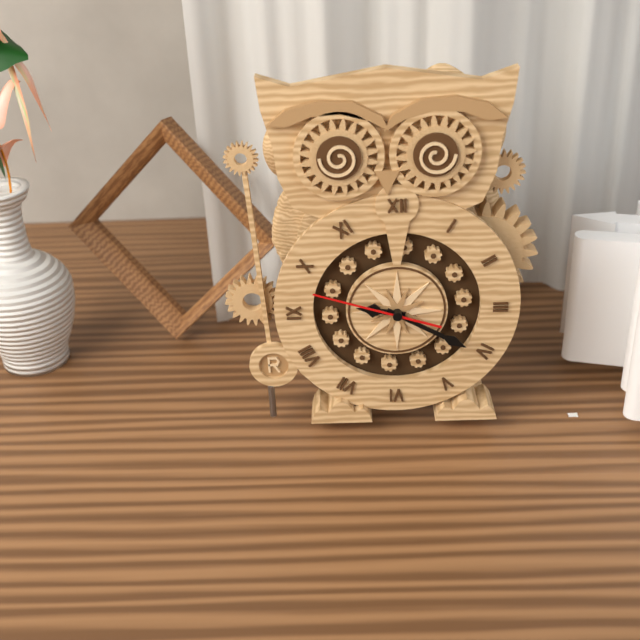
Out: 9h20m48s
